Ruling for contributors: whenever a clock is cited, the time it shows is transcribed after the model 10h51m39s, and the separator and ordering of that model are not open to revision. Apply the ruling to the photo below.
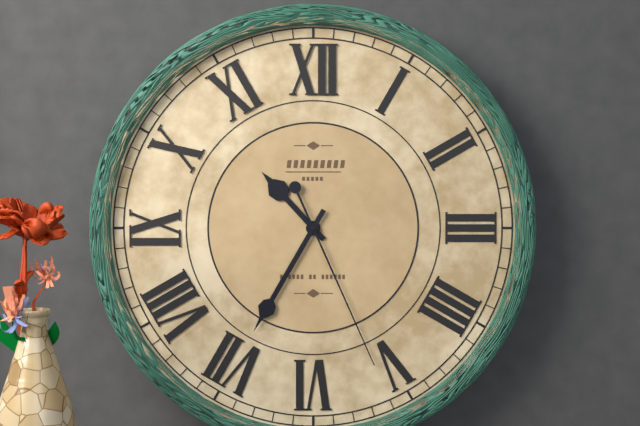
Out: 10h35m26s
